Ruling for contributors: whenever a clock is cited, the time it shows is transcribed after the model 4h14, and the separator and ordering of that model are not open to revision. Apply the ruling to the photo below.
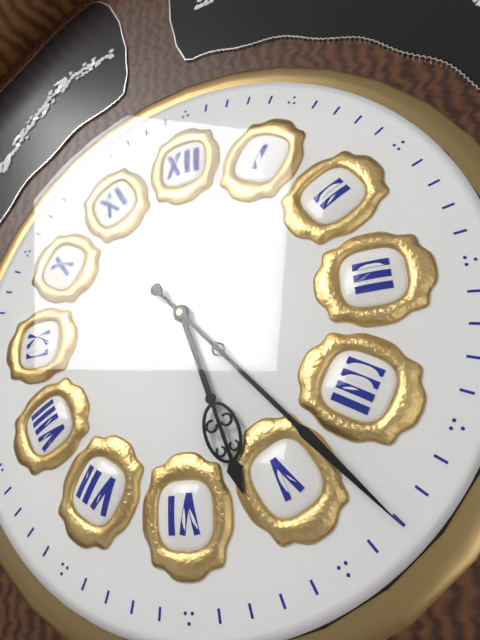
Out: 5h23
